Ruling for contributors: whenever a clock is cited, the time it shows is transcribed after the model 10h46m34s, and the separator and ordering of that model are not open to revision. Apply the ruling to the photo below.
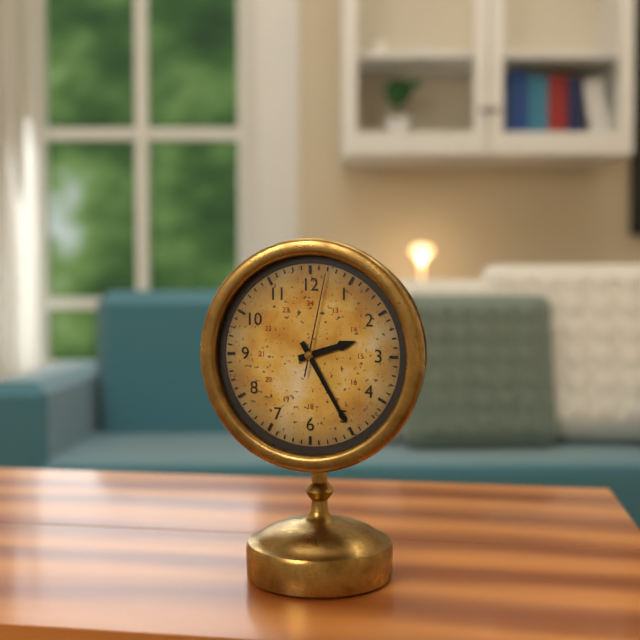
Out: 2h25m02s
